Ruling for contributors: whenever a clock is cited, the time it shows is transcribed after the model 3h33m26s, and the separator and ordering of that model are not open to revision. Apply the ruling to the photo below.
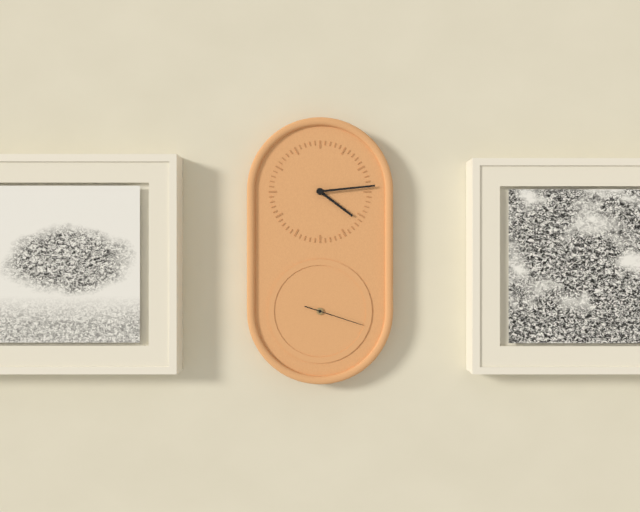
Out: 4h14m18s
